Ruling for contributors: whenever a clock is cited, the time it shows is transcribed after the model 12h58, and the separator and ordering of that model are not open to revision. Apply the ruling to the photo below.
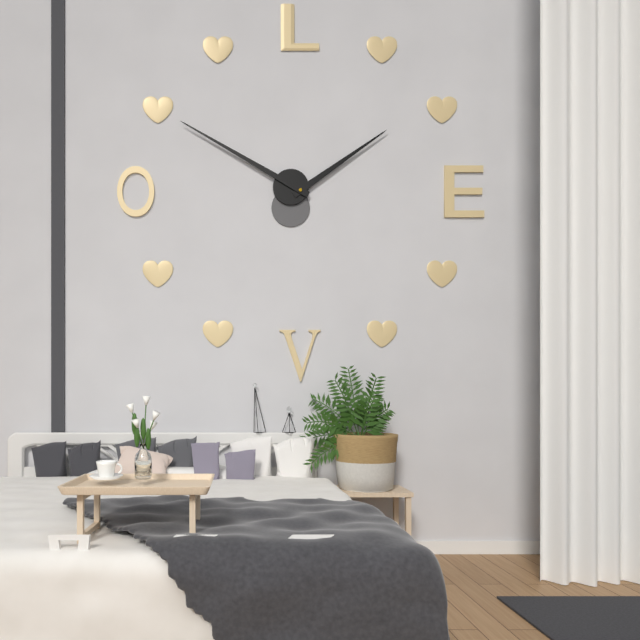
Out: 1h50
